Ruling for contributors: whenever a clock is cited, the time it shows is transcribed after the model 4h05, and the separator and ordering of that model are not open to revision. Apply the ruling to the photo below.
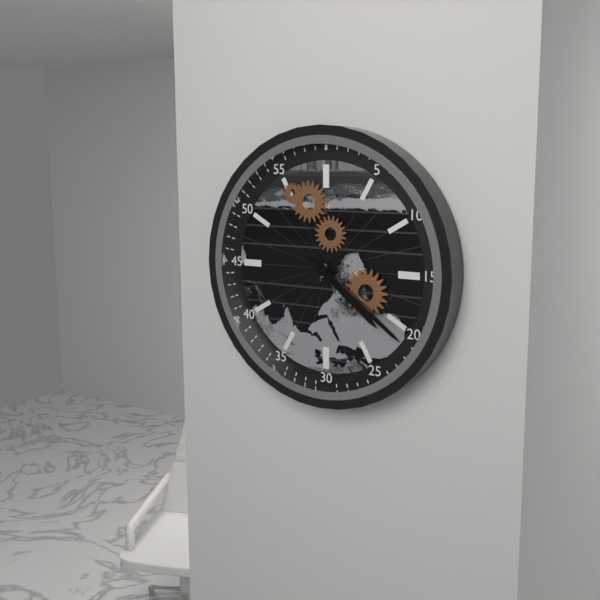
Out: 4h21
